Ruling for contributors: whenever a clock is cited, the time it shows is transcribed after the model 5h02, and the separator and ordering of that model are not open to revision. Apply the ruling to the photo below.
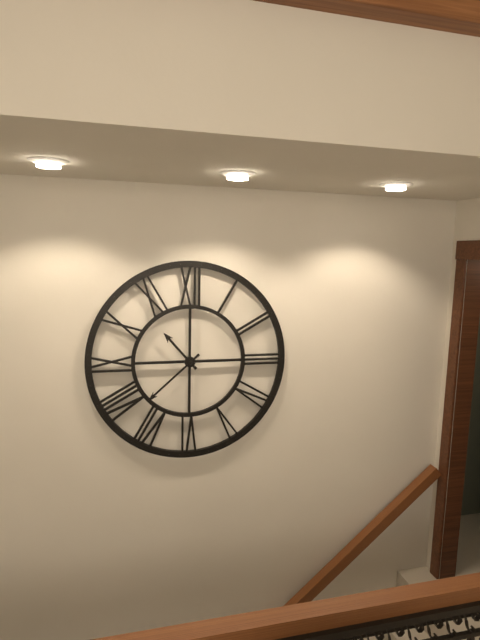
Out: 10h38
